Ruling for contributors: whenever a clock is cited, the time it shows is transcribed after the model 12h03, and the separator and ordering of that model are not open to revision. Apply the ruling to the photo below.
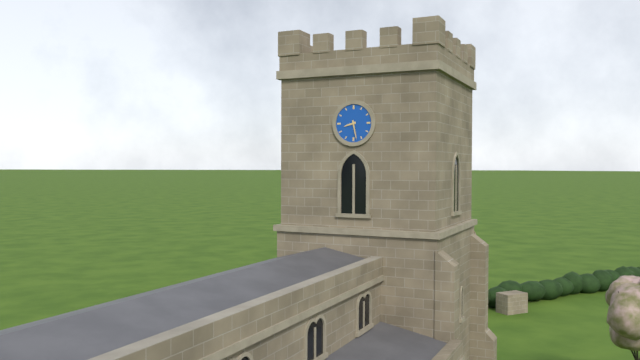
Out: 8h28
